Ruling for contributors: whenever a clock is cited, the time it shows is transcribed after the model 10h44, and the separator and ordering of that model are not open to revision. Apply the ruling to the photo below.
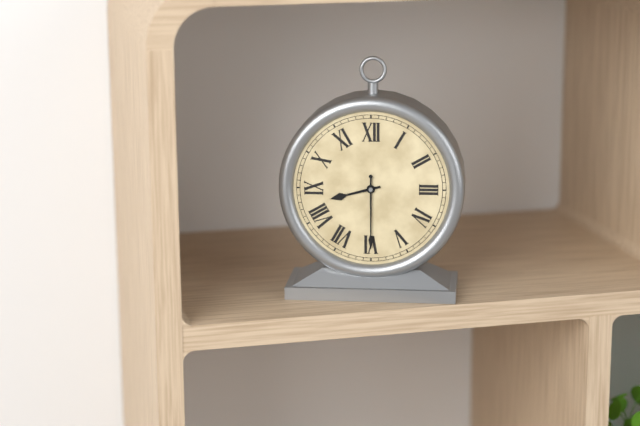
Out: 8h30
